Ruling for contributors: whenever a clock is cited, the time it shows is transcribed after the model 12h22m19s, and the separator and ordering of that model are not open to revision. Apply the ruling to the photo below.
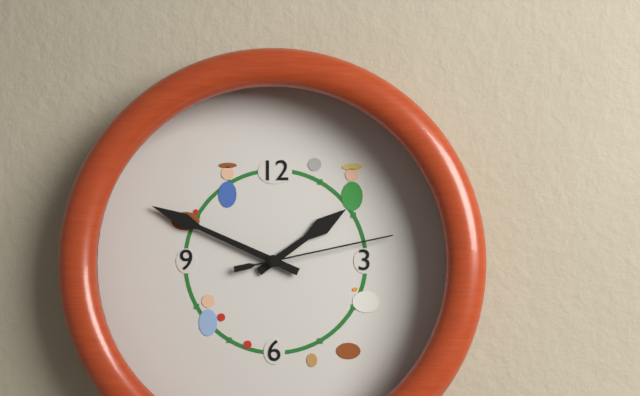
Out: 1h49m13s
